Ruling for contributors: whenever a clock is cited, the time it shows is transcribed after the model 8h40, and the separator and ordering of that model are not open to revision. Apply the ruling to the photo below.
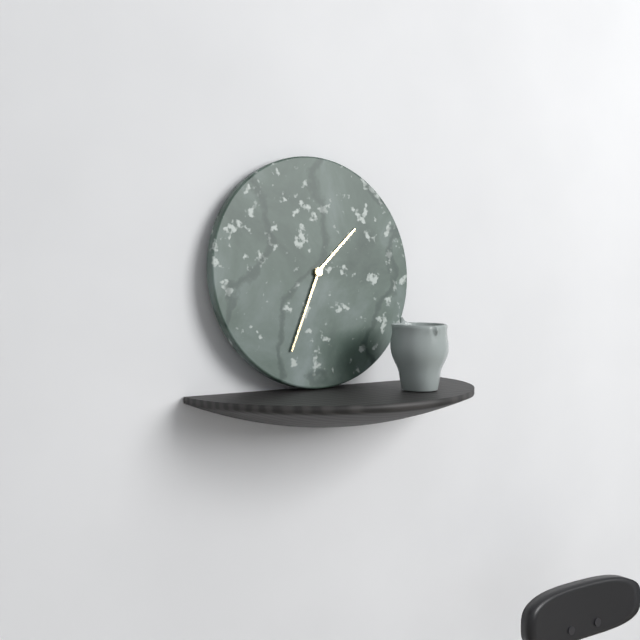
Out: 1h34
